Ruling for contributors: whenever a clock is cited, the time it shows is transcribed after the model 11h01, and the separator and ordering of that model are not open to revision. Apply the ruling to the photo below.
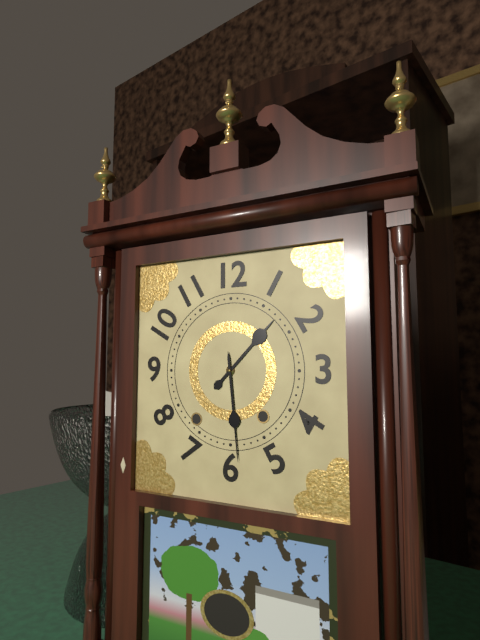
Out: 1h29
